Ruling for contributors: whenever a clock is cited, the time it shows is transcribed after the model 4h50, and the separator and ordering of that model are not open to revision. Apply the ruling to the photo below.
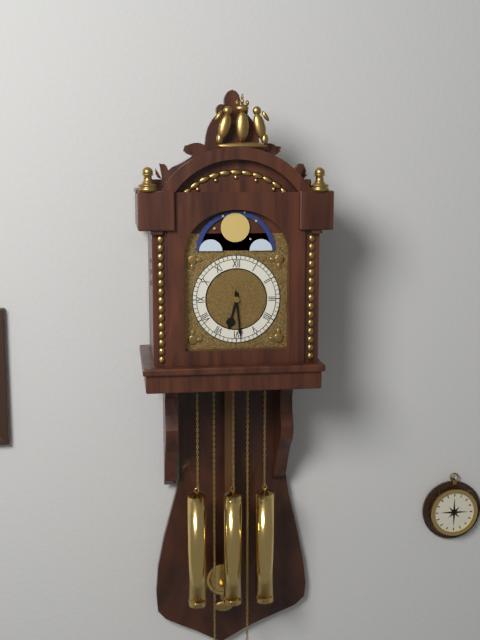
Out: 6h29
